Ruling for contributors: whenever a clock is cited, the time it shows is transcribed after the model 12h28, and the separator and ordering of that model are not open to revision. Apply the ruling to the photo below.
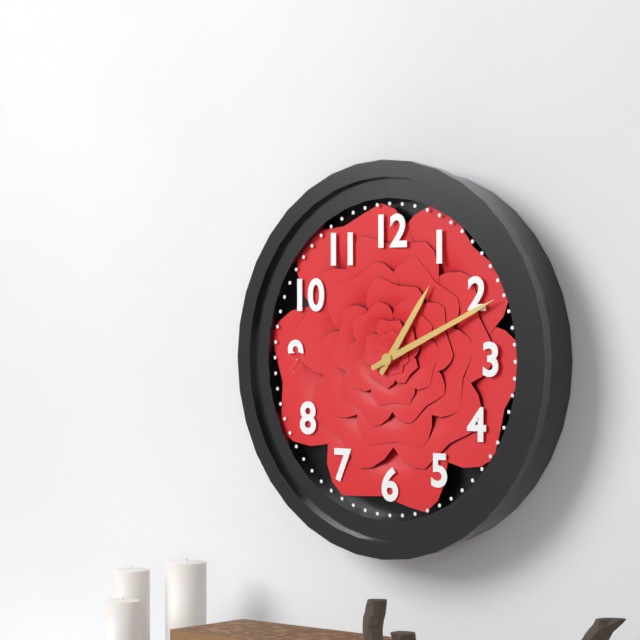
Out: 1h11
